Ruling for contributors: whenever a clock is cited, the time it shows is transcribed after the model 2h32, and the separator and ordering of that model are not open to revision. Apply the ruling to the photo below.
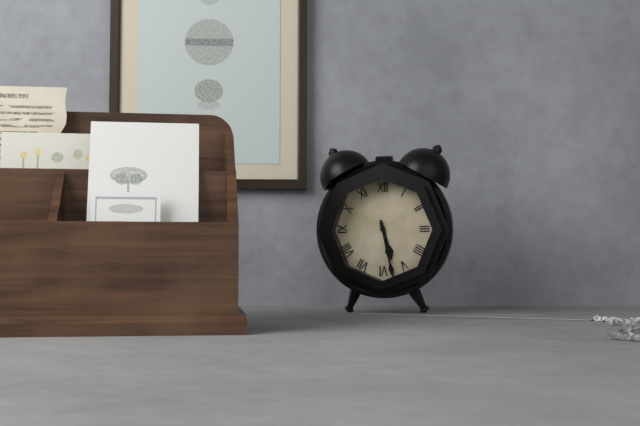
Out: 5h28
